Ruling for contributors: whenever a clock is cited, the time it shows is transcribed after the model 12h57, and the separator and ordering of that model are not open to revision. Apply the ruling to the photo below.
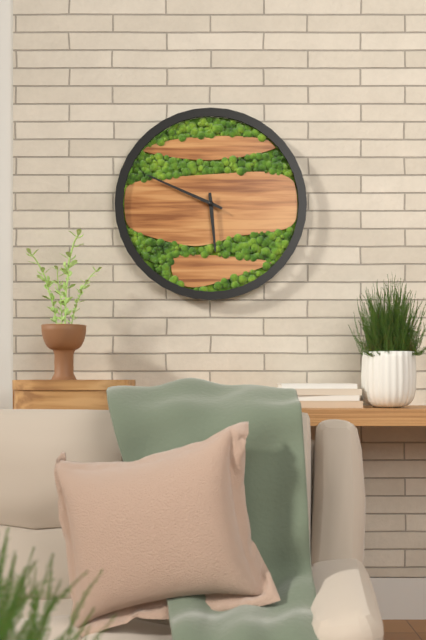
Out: 5h49
